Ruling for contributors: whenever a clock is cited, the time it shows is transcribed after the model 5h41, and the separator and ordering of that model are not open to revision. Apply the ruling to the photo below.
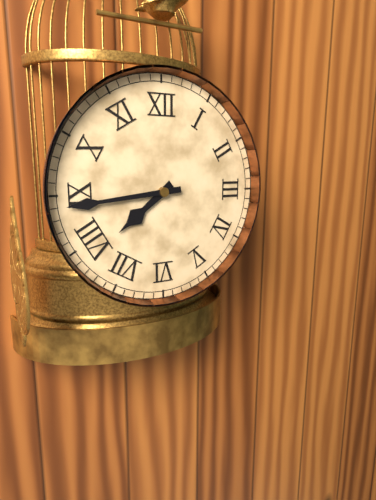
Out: 7h44
